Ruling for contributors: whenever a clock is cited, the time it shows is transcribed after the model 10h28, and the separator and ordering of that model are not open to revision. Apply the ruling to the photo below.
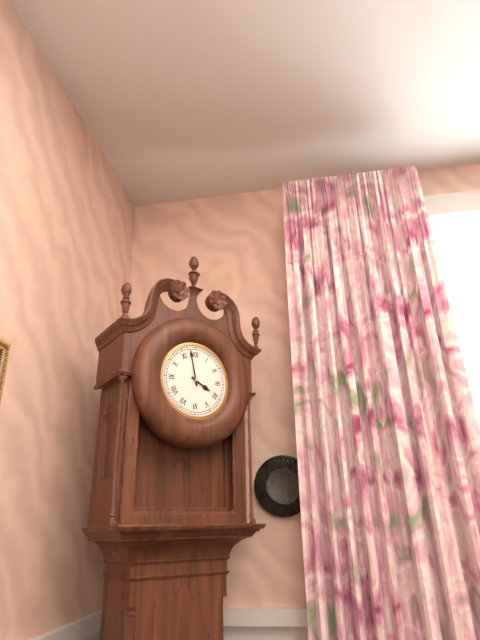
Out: 3h58
